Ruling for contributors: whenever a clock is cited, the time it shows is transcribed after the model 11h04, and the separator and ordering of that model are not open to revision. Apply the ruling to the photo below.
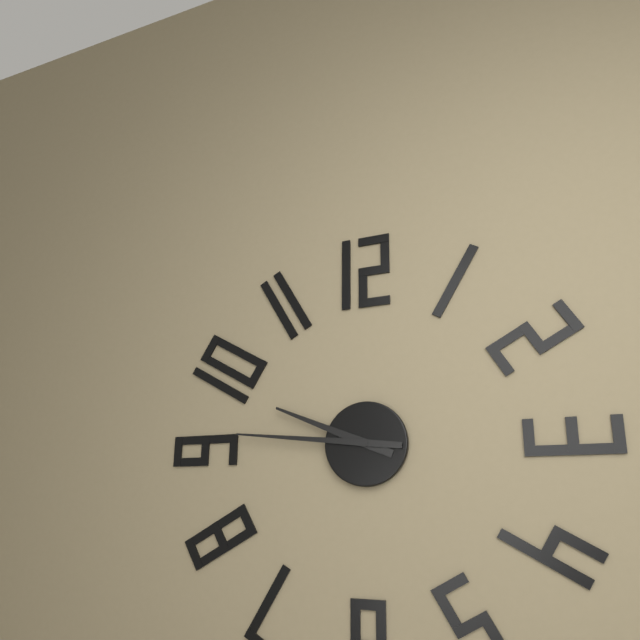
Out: 9h46
